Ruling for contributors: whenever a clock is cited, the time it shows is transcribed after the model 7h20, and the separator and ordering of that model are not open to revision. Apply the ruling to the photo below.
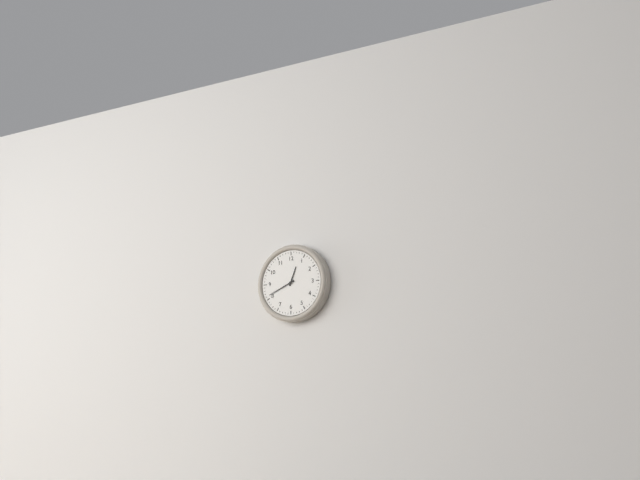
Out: 12h41
